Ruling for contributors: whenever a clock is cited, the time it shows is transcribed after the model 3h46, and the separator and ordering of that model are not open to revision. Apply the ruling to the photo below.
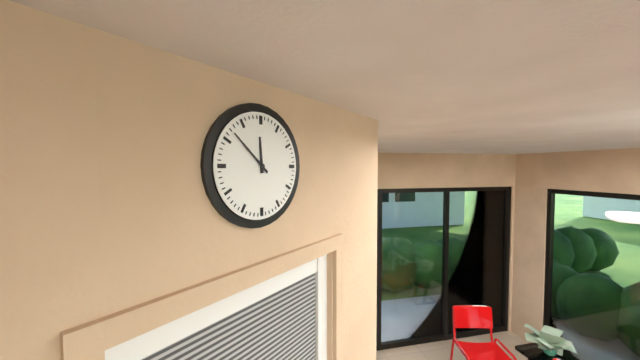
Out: 11h52
